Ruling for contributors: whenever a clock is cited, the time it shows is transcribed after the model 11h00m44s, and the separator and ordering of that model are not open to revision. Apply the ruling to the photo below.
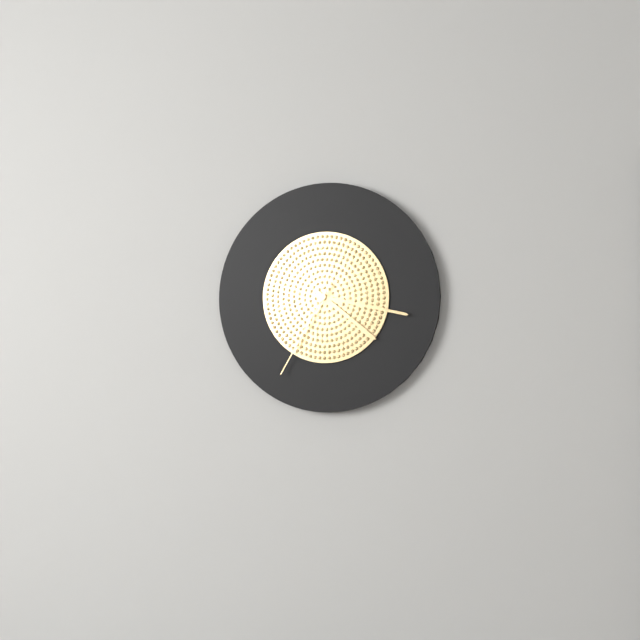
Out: 4h17m35s
